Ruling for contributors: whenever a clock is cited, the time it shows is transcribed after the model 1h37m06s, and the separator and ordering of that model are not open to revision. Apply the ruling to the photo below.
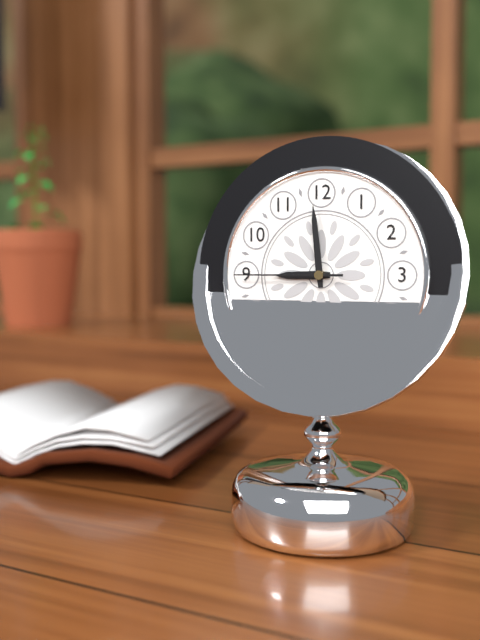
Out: 8h59m45s
